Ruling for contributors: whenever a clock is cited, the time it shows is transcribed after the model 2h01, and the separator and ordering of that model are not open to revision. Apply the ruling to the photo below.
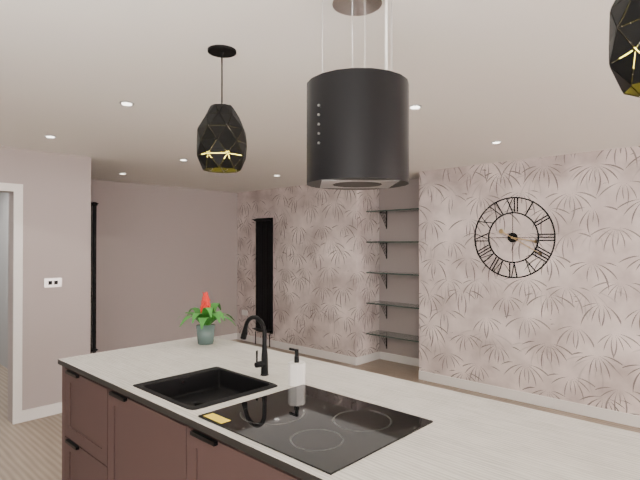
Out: 3h20
